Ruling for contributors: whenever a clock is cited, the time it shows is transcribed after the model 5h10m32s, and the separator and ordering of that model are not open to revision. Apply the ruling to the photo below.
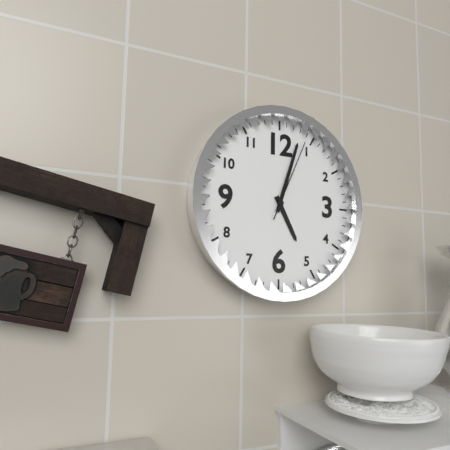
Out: 5h03m04s
